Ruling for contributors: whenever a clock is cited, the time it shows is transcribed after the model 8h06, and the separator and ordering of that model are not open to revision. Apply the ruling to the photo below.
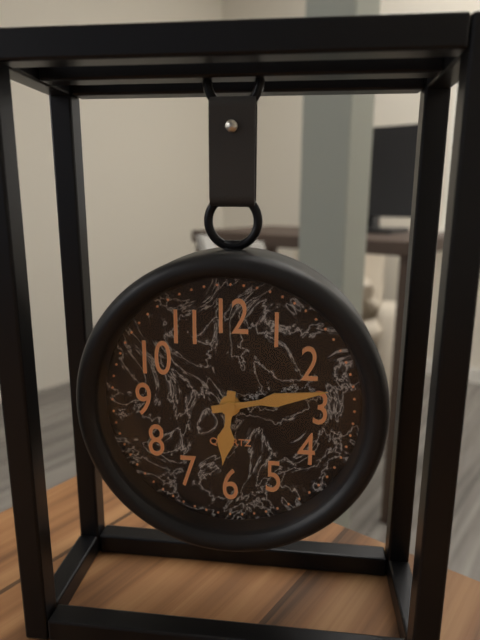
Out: 6h13
